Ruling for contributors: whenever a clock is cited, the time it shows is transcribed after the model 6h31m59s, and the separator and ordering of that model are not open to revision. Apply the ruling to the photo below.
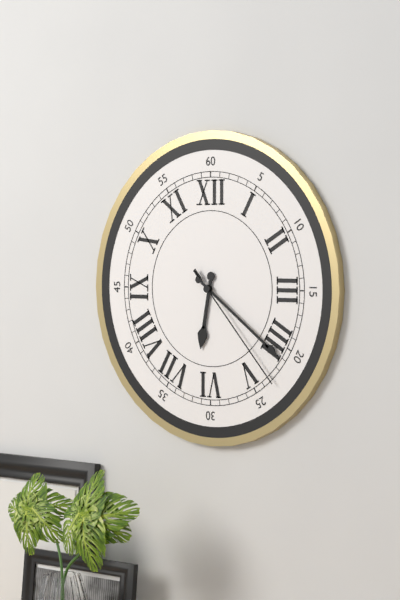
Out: 6h21m23s
